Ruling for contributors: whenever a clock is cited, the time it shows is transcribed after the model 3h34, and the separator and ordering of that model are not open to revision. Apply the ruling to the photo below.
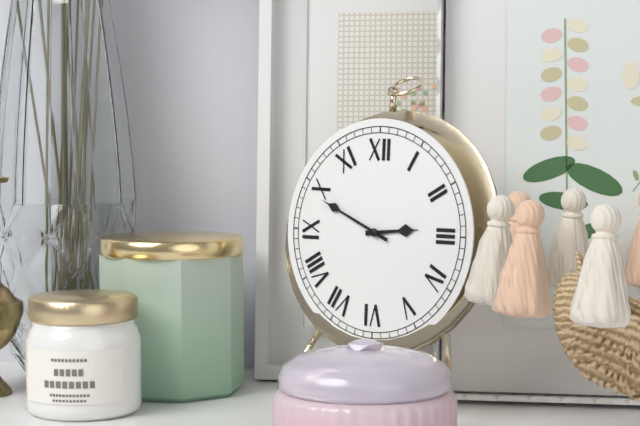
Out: 2h49
